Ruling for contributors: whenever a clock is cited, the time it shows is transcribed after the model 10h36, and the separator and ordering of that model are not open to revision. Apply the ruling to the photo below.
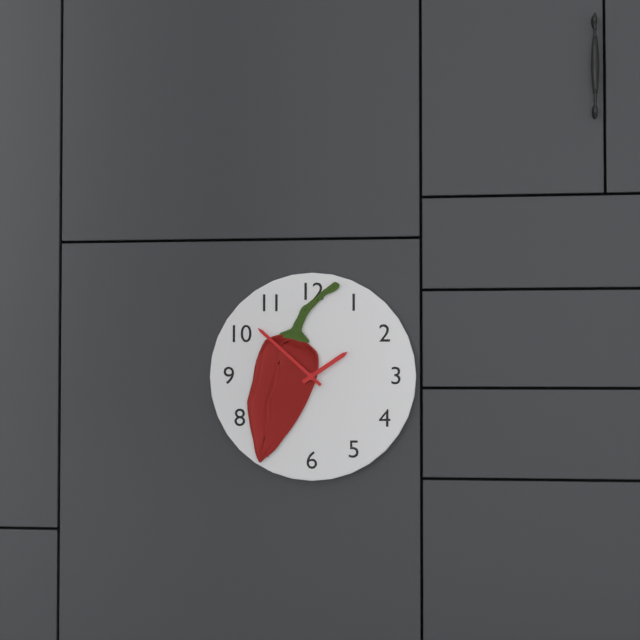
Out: 1h52
